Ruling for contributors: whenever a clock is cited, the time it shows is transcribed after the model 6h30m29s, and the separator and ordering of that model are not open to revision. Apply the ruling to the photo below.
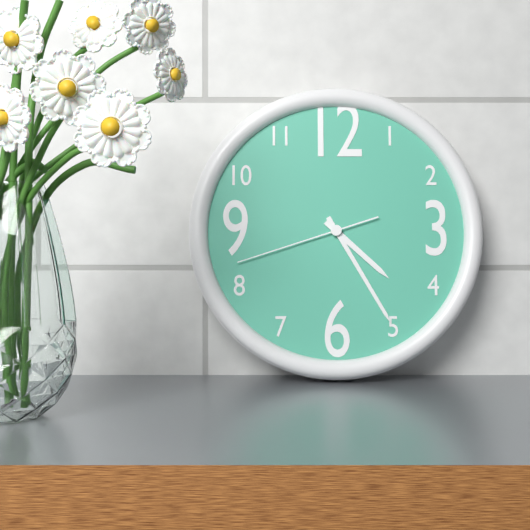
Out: 4h25m42s
